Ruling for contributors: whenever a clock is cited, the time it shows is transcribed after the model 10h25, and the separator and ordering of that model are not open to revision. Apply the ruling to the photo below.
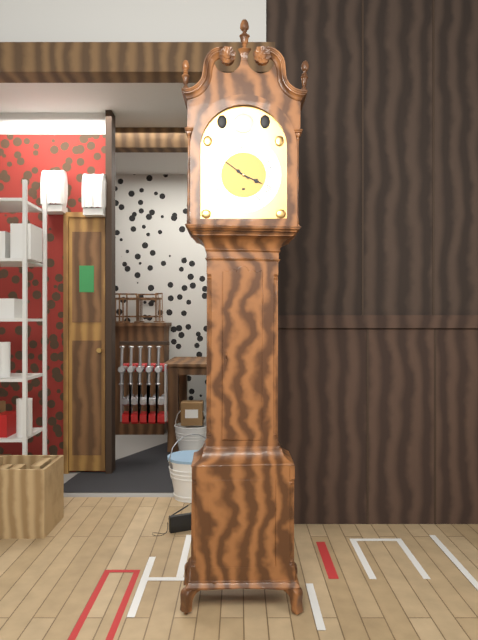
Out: 3h51
